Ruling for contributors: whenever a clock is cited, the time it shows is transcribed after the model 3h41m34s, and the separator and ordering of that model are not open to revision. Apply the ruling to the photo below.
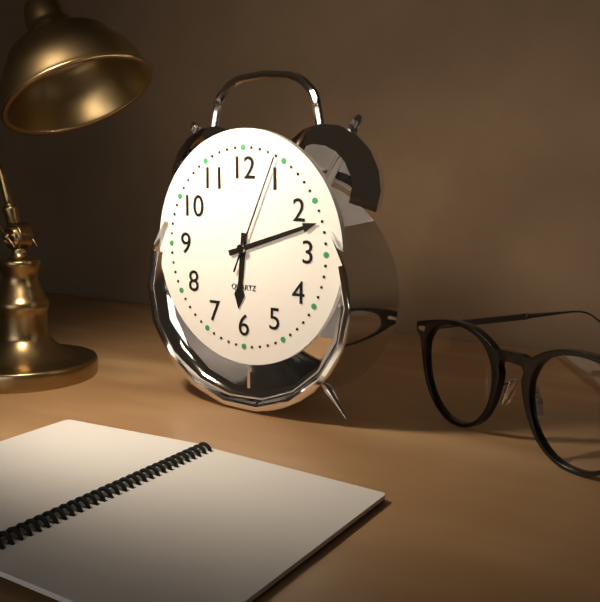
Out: 6h12m04s
